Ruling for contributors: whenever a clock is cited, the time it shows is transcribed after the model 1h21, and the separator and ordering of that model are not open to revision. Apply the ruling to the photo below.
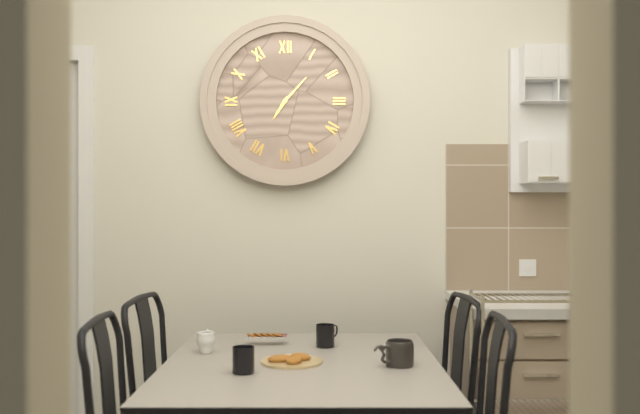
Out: 7h07
